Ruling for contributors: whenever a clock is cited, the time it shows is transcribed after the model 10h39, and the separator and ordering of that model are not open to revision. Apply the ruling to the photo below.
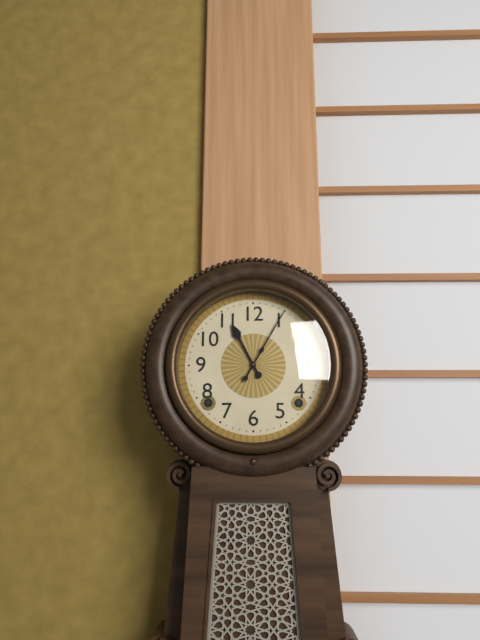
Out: 11h05
